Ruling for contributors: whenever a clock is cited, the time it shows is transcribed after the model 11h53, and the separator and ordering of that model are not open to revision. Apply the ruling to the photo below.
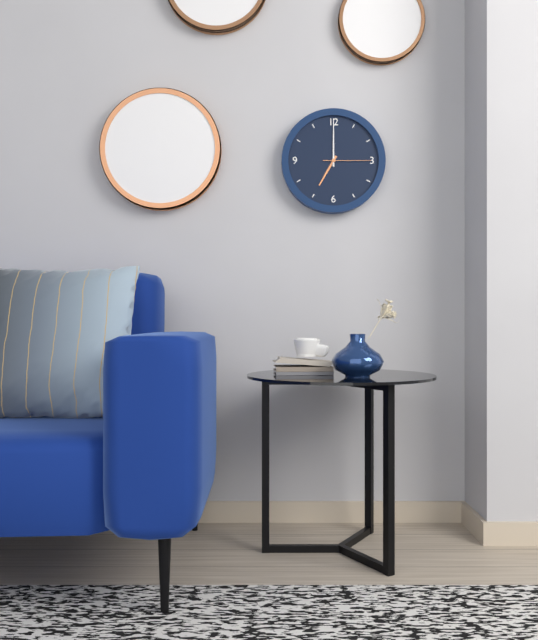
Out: 7h00
